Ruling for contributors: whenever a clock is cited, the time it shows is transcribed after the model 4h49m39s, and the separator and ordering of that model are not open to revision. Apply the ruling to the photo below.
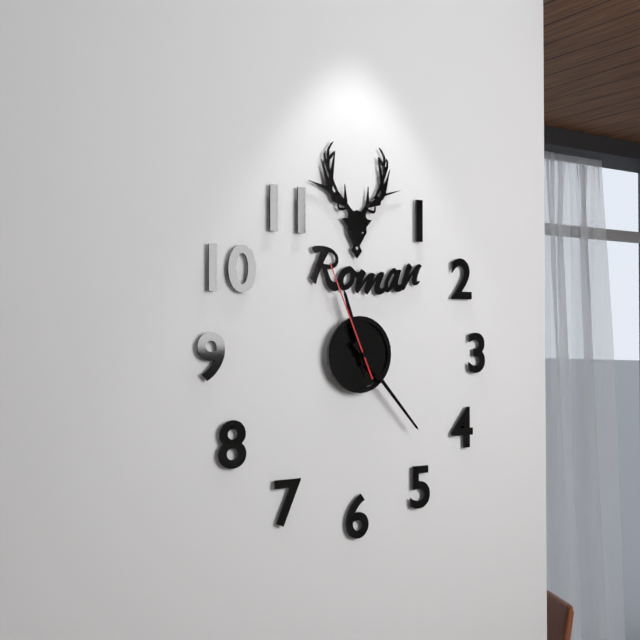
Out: 11h23m56s
